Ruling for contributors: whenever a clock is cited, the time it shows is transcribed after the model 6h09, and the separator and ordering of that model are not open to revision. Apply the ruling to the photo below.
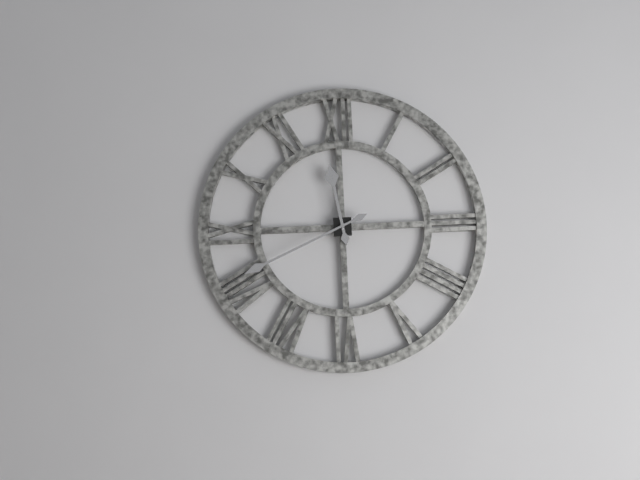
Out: 11h41
